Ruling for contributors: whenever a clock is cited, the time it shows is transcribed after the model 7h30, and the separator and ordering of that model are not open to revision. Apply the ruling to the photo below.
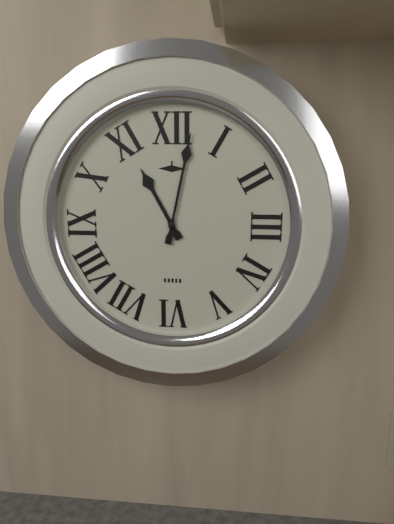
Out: 11h02
